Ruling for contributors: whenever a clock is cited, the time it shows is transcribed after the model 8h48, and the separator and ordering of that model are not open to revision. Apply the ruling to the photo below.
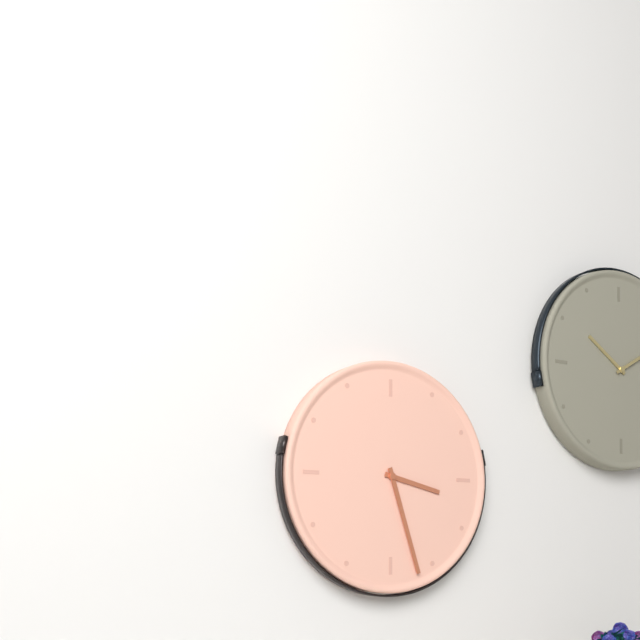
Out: 3h27
